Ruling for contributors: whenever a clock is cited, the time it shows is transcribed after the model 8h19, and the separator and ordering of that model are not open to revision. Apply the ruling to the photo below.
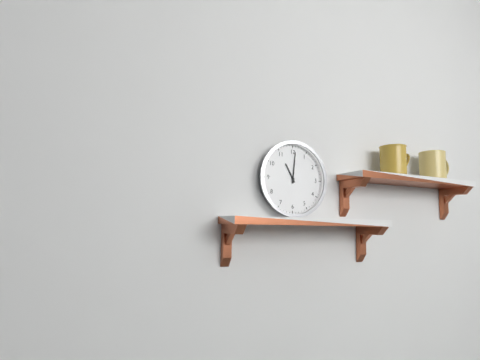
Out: 11h01
